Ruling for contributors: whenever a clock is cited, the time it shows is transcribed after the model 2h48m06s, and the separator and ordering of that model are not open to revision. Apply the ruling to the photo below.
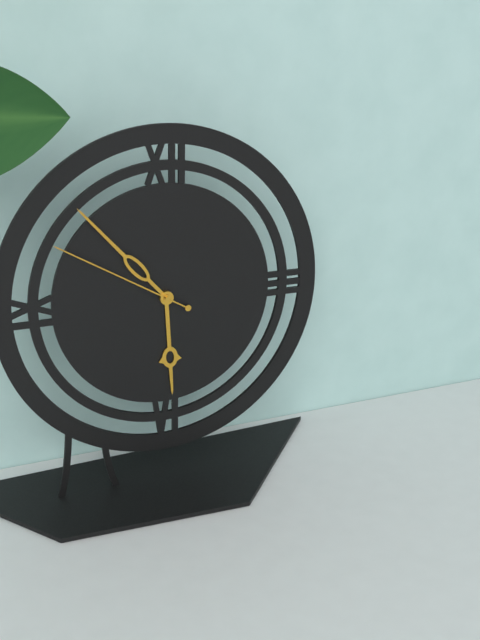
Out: 5h53m50s
